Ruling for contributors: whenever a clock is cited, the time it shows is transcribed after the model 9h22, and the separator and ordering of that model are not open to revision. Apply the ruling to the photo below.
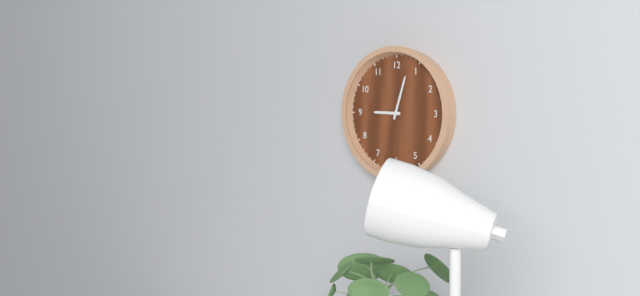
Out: 9h03
